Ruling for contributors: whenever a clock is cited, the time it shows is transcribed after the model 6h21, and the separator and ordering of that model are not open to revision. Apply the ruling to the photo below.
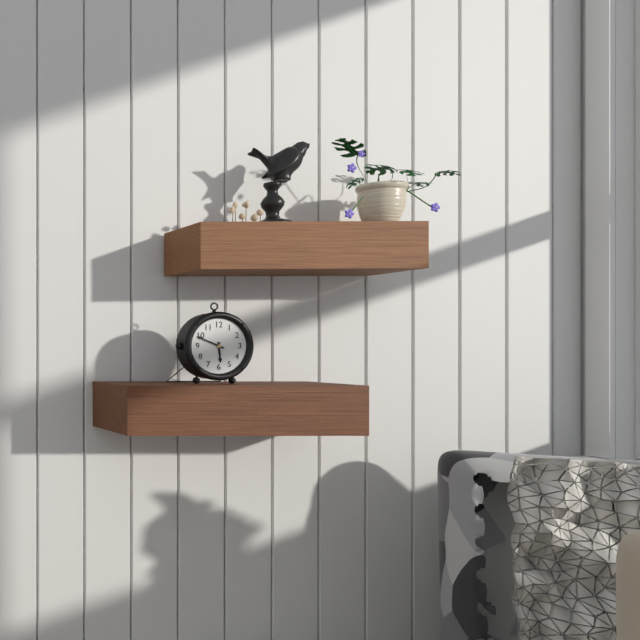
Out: 5h49
